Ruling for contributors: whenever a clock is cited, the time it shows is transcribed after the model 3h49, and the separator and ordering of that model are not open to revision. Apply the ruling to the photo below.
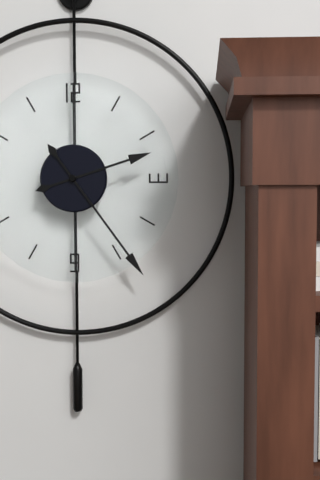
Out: 2h24
